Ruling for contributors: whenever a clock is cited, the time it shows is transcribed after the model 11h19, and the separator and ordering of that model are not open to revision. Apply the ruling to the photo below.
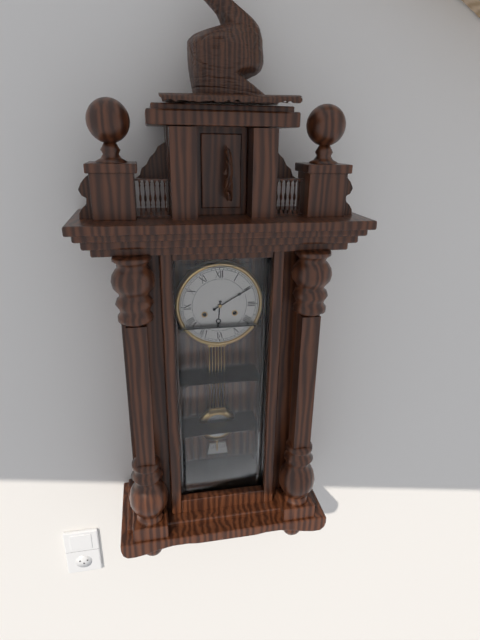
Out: 6h10
